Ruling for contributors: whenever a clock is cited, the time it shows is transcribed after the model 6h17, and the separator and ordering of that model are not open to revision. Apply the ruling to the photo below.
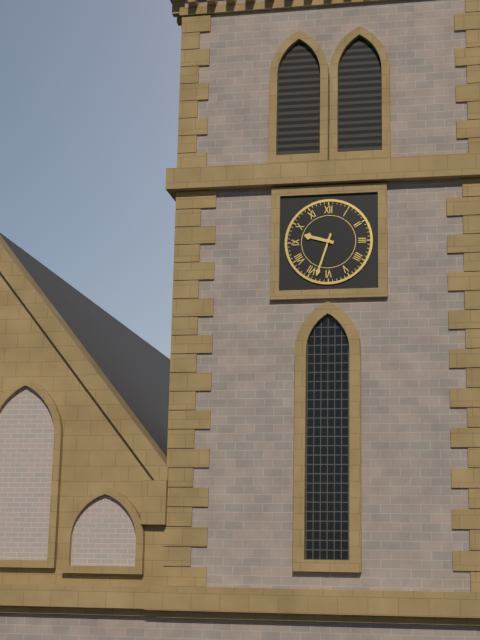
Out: 9h33
